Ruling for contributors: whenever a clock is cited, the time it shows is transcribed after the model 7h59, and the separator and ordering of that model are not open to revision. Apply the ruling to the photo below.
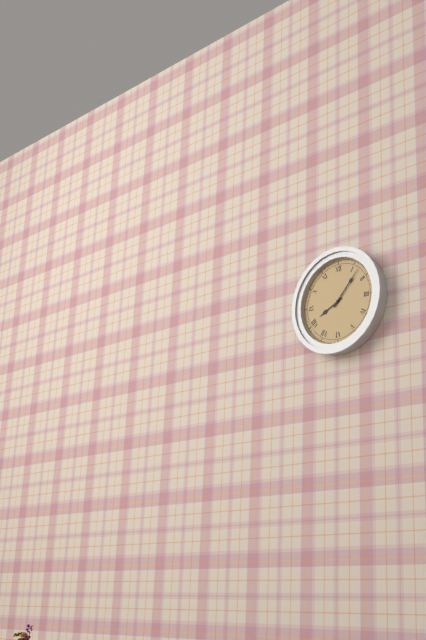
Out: 8h07
